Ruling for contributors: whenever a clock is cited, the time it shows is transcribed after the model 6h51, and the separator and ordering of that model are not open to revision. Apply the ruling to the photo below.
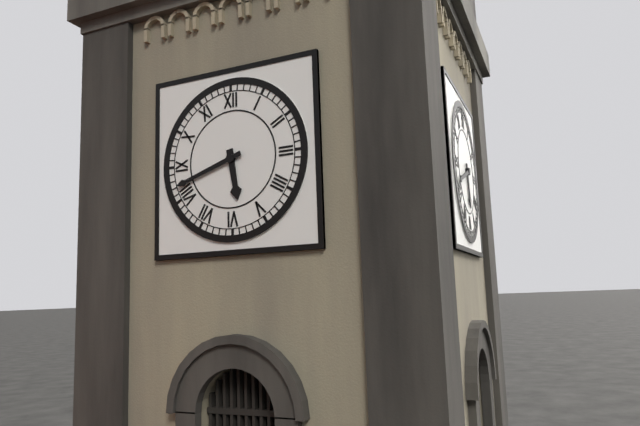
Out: 5h42
